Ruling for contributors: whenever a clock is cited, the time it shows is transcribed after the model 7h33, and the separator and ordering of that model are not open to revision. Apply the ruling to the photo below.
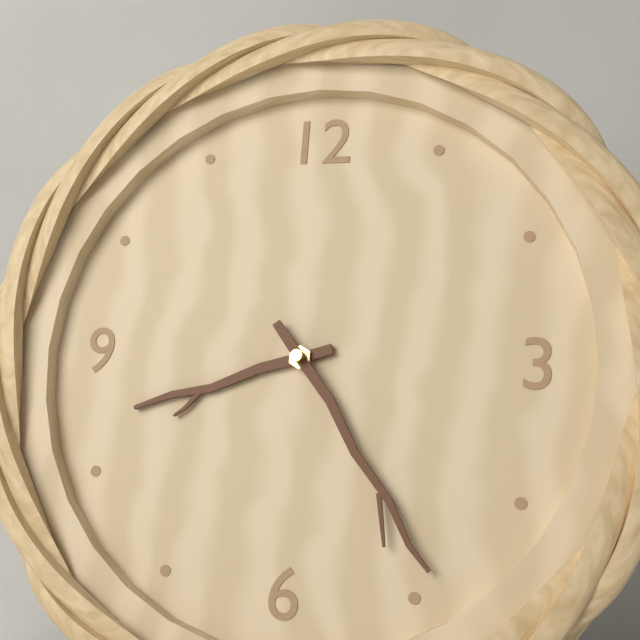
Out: 8h24
